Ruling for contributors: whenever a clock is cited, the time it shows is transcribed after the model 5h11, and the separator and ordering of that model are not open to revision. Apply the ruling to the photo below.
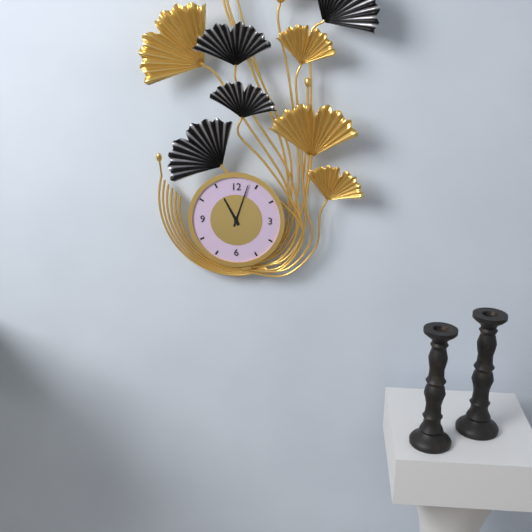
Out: 11h03
